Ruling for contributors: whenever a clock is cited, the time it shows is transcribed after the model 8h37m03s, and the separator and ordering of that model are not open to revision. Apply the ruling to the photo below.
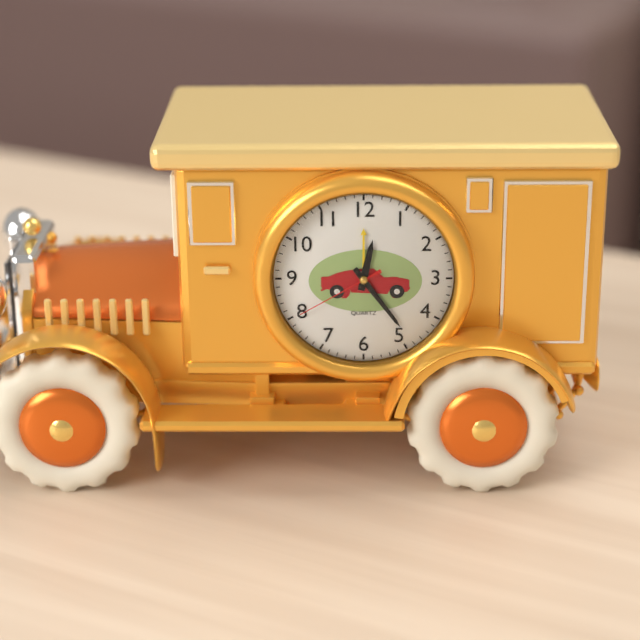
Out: 12h24m40s
